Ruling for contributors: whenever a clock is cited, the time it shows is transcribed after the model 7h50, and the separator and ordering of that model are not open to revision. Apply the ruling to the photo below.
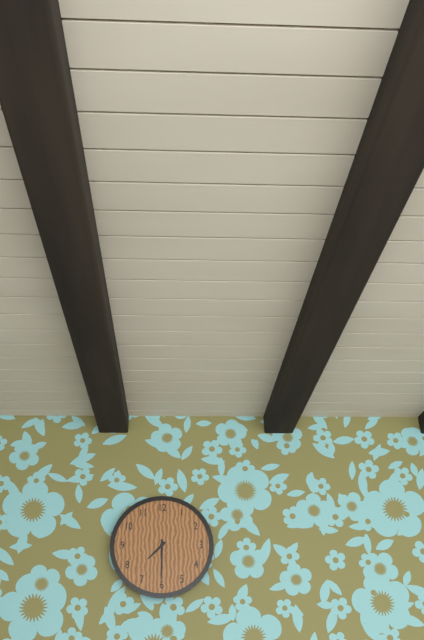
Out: 7h30
